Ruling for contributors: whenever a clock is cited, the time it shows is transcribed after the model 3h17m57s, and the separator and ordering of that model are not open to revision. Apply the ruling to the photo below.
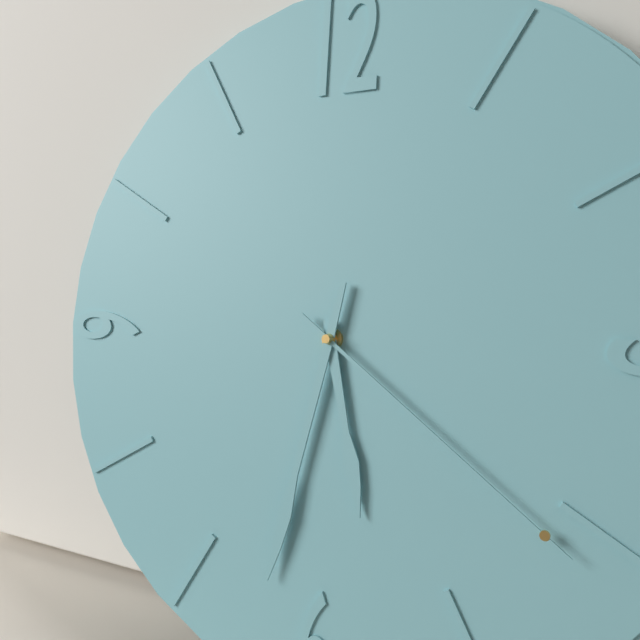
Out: 5h32m21s
